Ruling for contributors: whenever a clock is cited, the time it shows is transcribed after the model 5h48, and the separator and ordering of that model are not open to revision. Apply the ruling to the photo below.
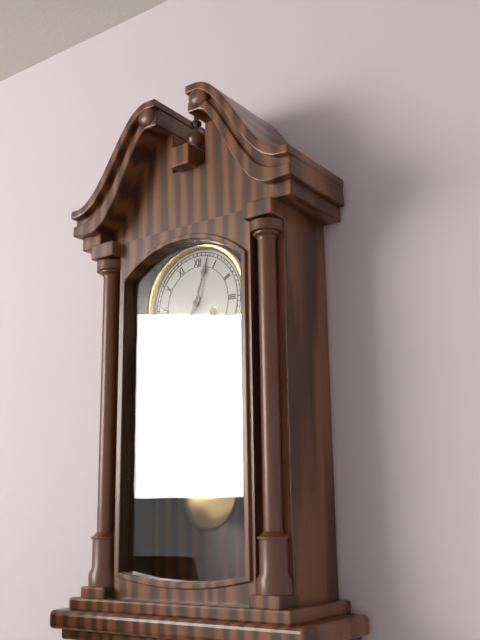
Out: 7h03
